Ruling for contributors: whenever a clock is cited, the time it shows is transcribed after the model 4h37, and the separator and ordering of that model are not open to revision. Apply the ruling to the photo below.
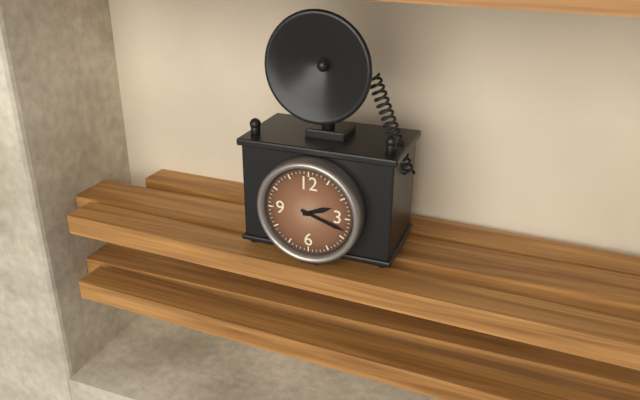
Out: 2h18
